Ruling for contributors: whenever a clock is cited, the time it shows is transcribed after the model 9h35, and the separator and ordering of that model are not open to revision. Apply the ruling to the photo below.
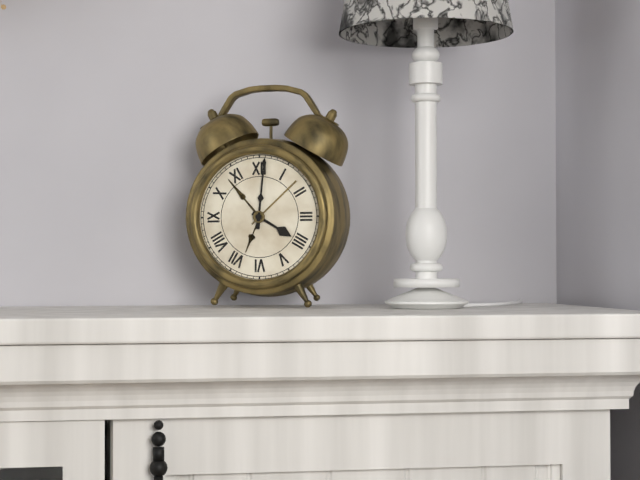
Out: 4h01
